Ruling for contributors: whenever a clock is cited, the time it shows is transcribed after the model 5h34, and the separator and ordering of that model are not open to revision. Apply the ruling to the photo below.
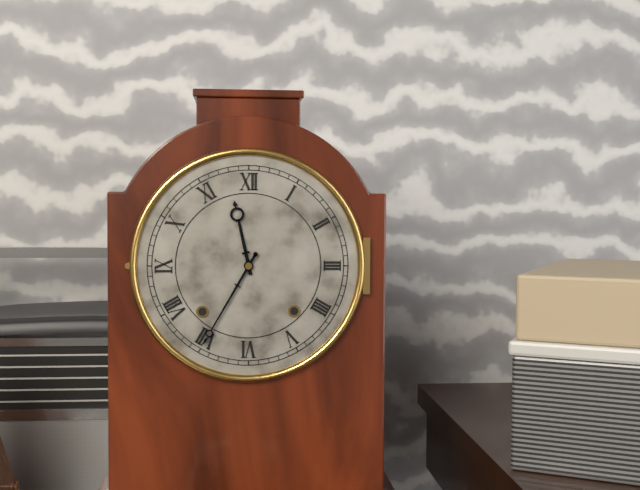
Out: 11h35
